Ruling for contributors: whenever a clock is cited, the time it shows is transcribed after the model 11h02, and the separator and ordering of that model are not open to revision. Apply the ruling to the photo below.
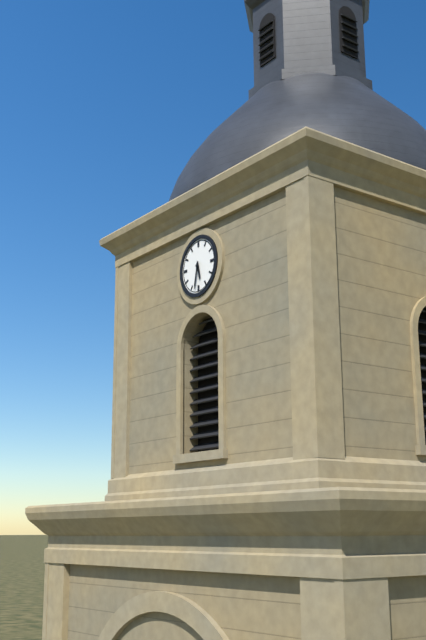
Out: 5h32
